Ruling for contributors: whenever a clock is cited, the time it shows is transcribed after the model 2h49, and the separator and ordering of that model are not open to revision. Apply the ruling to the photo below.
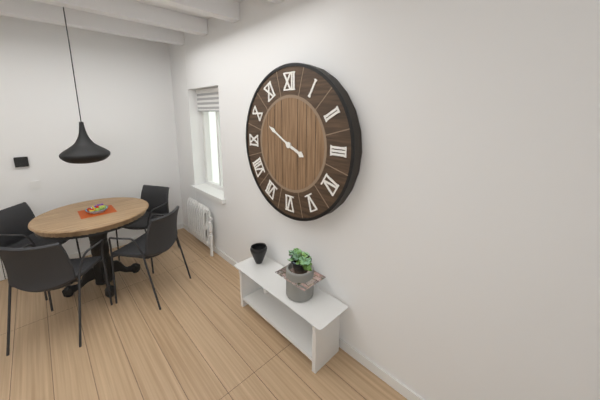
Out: 3h50
